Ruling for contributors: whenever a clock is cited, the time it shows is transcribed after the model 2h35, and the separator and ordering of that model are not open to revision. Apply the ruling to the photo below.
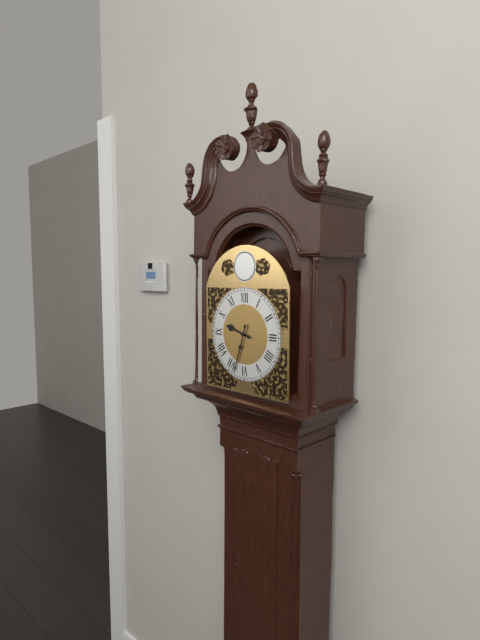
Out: 9h33
